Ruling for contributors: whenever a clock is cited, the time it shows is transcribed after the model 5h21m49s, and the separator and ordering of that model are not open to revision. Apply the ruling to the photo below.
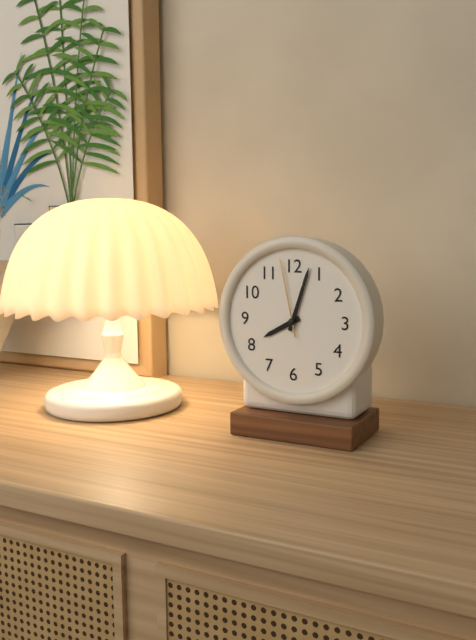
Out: 8h03m58s
